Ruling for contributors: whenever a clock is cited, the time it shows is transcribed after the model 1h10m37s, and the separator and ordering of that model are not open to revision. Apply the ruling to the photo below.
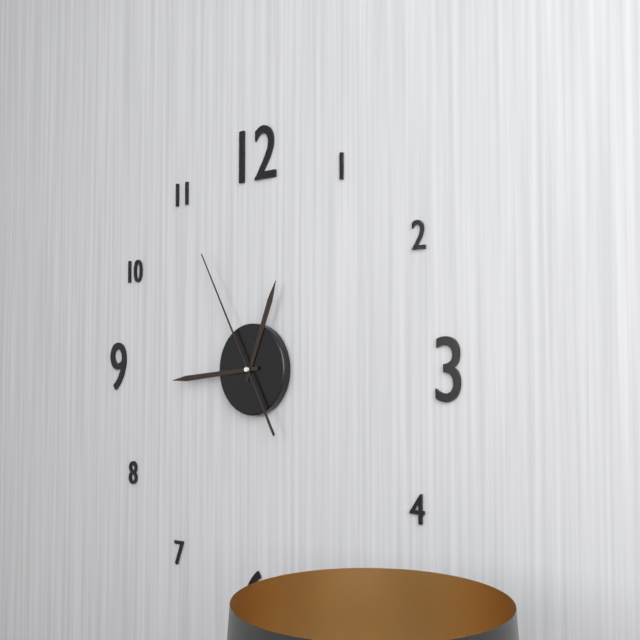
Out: 12h44m55s
